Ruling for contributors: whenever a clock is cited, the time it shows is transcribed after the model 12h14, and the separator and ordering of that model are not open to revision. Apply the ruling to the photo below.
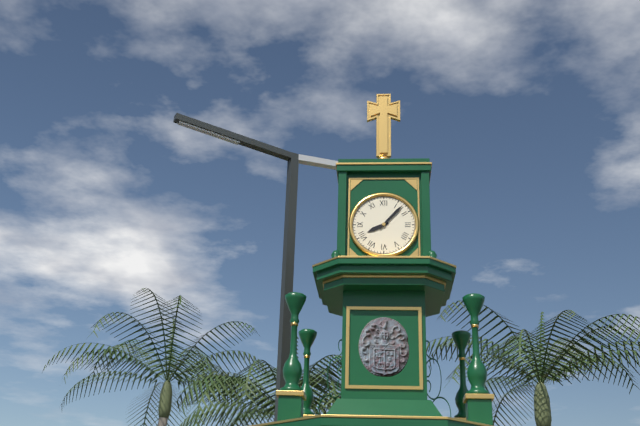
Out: 8h07
